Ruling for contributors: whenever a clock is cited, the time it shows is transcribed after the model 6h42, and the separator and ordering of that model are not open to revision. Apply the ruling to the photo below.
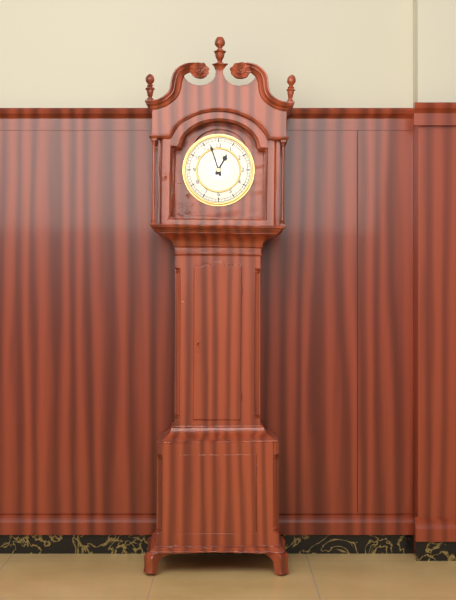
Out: 12h57
